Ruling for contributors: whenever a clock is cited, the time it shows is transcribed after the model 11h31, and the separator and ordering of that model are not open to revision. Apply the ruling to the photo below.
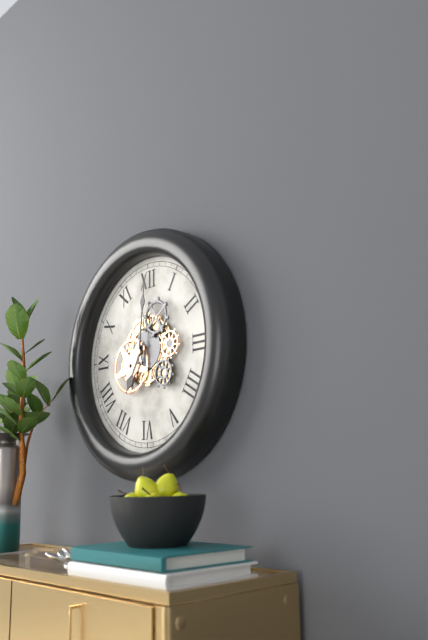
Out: 7h01
